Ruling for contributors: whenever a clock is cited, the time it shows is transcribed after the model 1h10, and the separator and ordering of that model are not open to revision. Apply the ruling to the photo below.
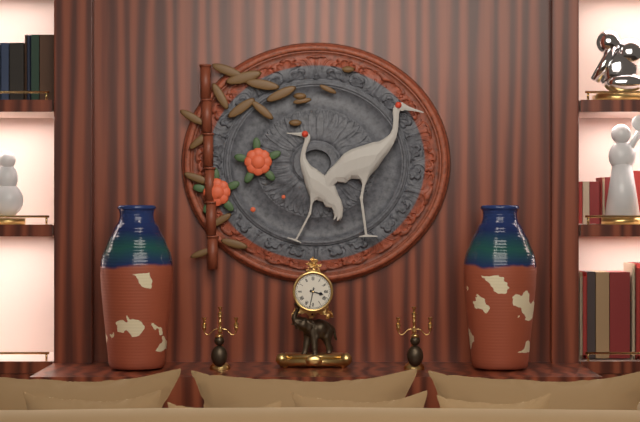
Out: 3h32
